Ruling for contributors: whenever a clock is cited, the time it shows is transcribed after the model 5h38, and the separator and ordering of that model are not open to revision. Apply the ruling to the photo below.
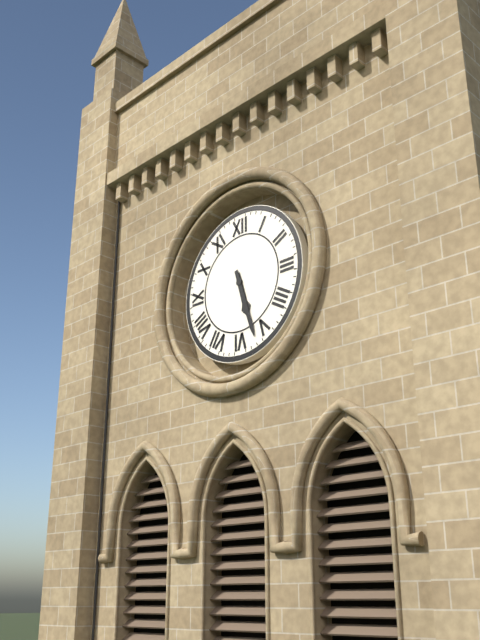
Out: 5h27
